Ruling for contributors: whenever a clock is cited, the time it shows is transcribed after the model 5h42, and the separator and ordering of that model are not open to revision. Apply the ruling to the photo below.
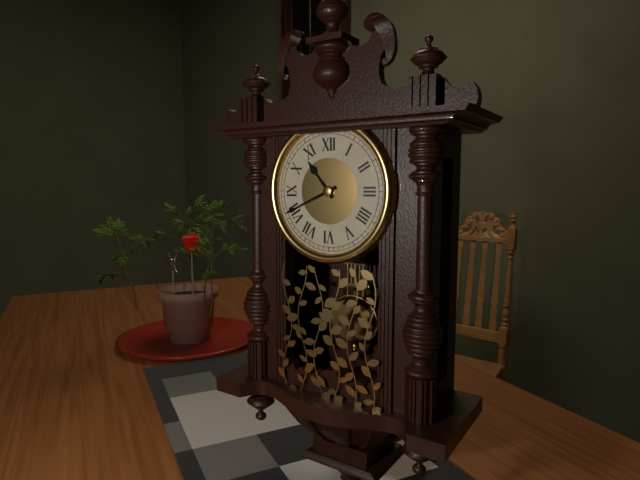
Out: 10h41
